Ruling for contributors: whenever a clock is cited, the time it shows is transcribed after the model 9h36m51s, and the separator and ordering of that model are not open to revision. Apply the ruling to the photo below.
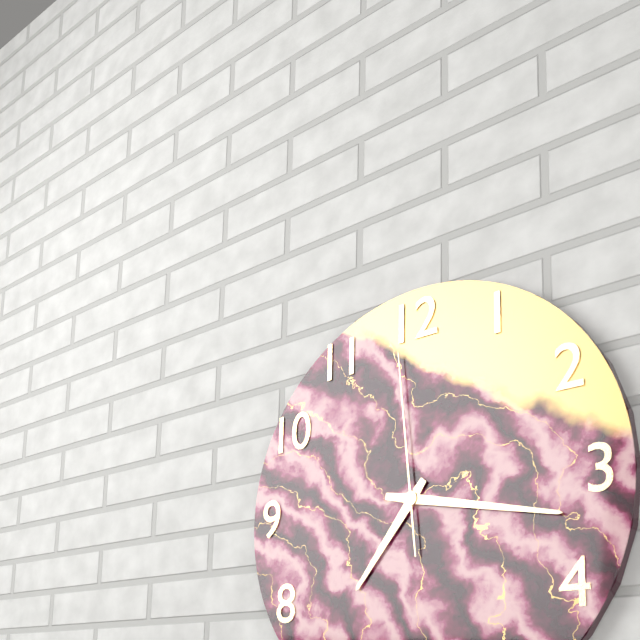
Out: 7h17m59s
